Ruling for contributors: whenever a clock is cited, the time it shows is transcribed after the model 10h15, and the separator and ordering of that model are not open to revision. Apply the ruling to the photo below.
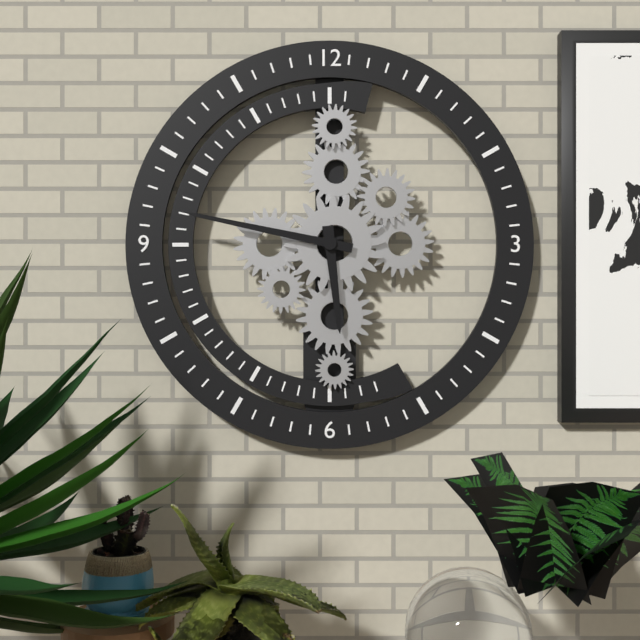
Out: 5h47
